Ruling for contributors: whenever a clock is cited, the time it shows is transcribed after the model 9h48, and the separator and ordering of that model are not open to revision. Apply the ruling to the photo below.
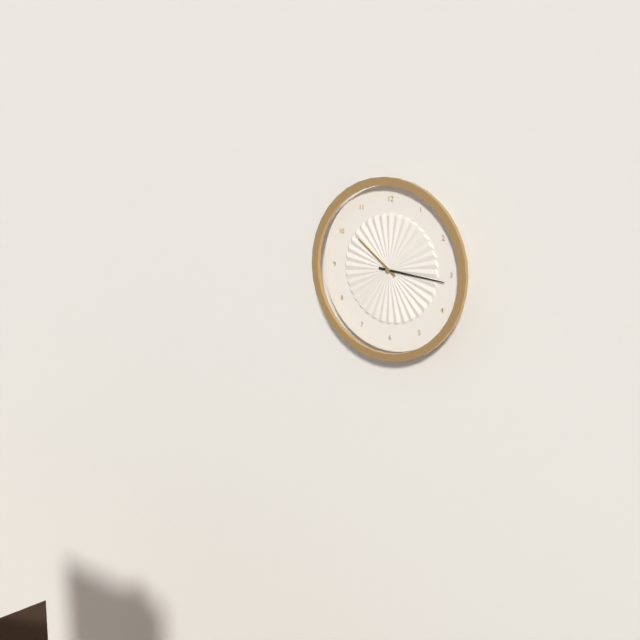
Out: 10h16
